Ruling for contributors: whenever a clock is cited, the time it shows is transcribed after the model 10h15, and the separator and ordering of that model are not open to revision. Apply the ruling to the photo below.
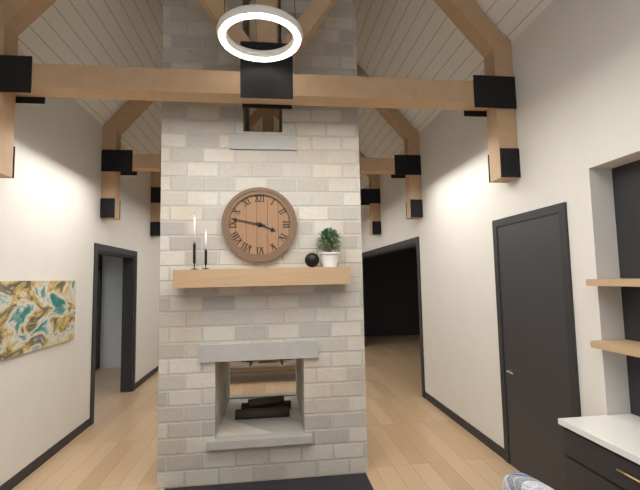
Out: 3h47
